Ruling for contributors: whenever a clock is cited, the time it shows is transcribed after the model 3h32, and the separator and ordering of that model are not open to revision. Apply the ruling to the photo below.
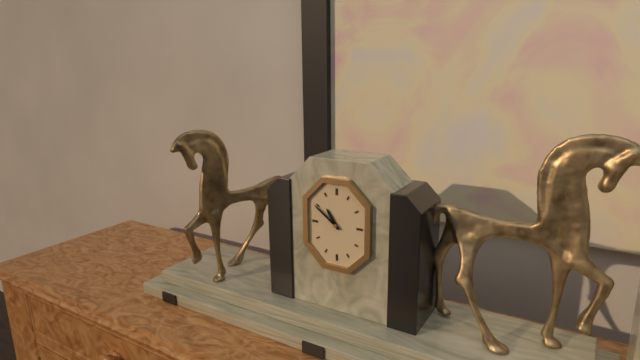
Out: 10h51
